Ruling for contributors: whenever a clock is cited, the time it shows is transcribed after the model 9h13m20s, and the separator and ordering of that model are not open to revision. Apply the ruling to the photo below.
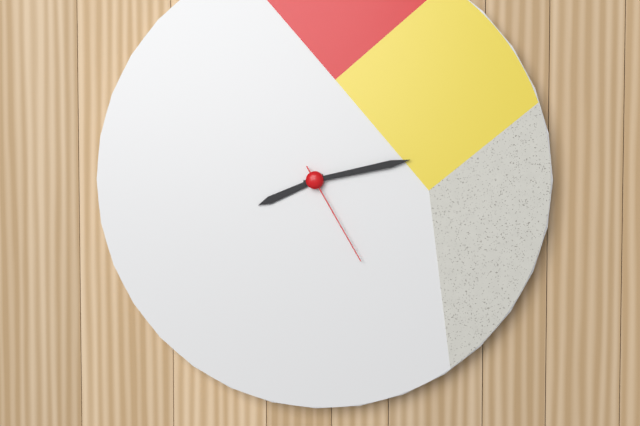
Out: 8h13m25s
